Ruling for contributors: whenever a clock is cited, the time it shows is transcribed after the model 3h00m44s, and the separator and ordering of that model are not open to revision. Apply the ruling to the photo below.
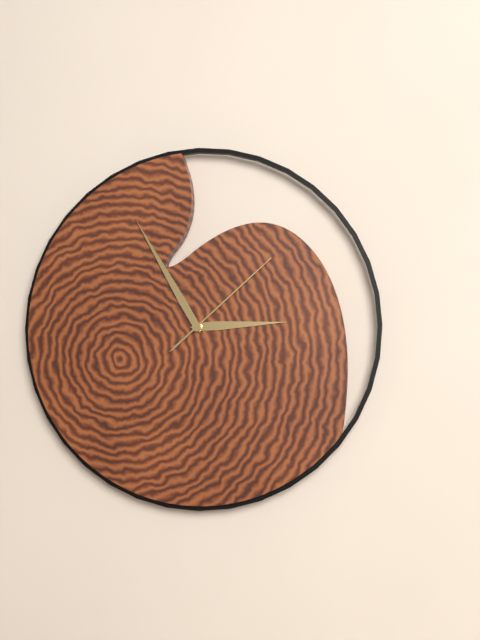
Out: 2h55m08s
